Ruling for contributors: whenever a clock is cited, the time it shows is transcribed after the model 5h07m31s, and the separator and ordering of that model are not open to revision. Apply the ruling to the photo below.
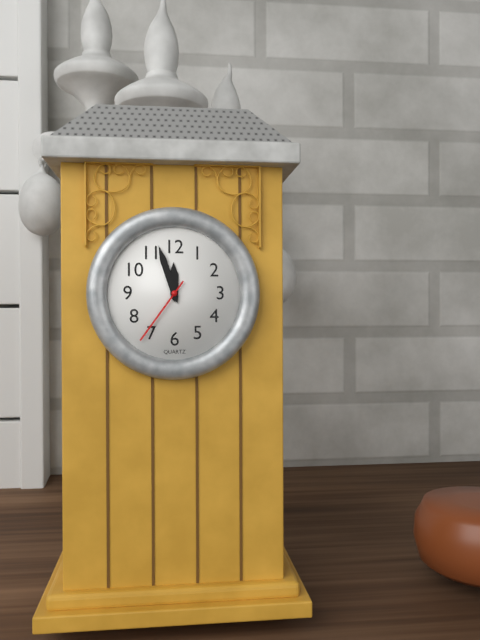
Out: 11h57m36s
